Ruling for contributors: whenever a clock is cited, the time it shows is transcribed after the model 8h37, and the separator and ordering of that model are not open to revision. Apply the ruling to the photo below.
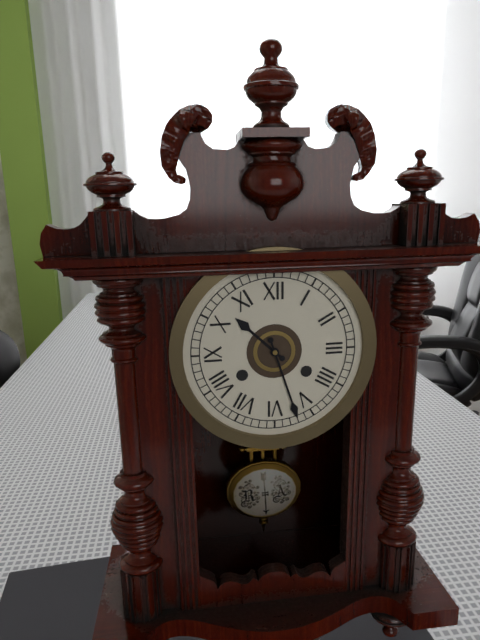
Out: 10h27
